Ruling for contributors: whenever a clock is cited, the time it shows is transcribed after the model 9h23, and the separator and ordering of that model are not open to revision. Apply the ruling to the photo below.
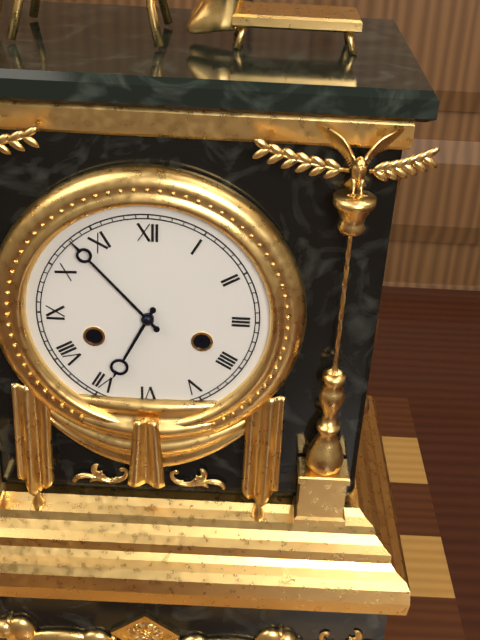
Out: 6h53
